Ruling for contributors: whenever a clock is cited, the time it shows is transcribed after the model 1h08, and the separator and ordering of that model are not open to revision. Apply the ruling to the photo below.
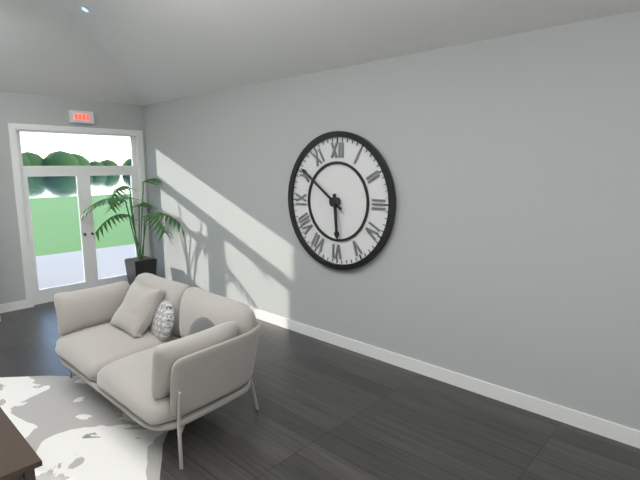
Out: 5h51
